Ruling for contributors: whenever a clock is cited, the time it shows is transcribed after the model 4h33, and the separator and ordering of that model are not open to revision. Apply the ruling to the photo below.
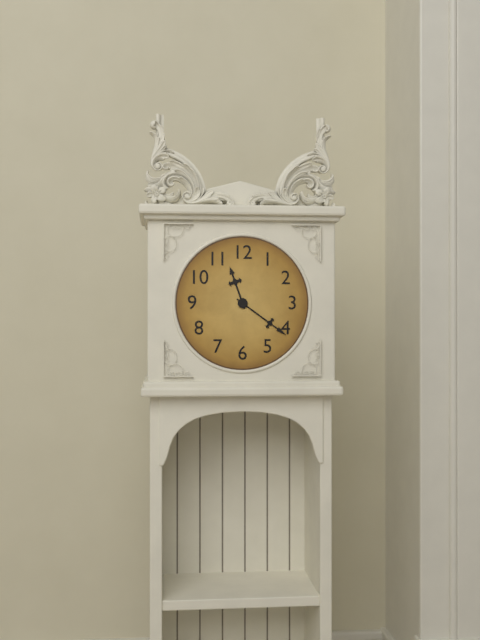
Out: 11h21
